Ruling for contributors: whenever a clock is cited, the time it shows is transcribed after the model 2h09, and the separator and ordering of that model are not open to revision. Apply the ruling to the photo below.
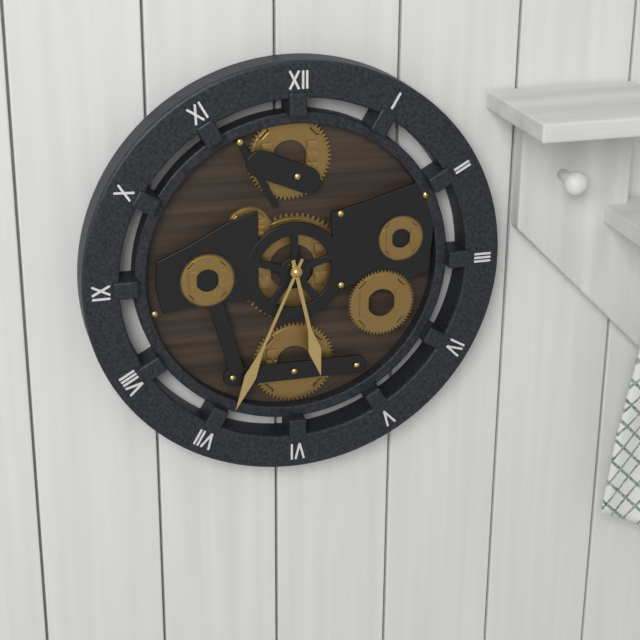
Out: 5h34
